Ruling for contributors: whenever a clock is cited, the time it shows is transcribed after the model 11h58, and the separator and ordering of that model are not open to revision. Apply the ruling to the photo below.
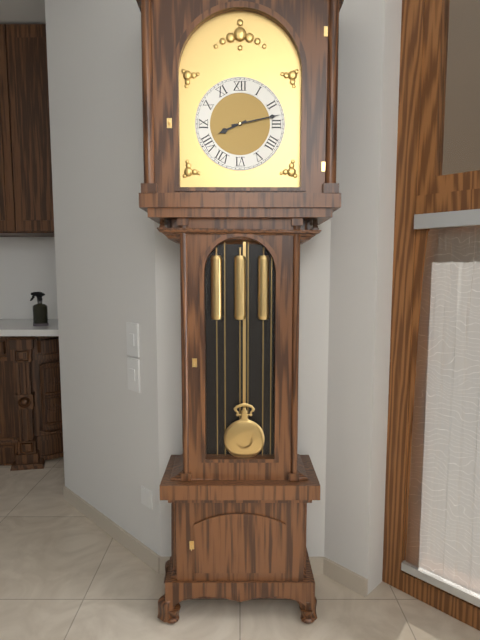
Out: 8h13
